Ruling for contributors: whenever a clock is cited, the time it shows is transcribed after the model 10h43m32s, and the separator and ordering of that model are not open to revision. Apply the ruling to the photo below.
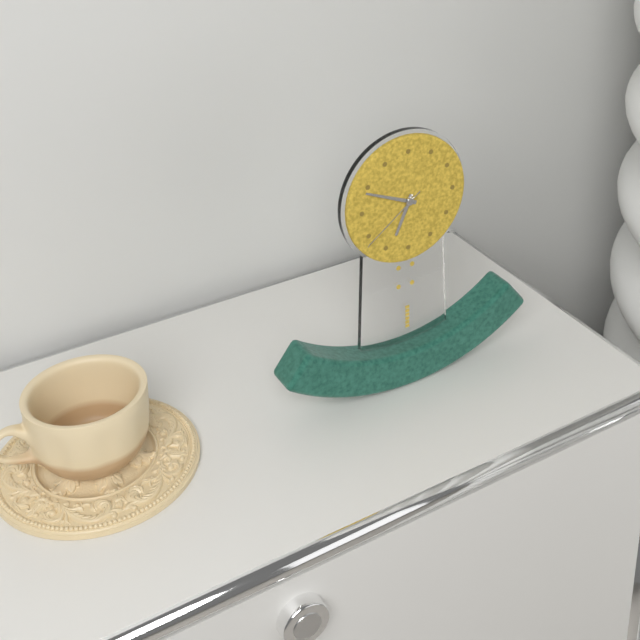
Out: 6h49m39s
